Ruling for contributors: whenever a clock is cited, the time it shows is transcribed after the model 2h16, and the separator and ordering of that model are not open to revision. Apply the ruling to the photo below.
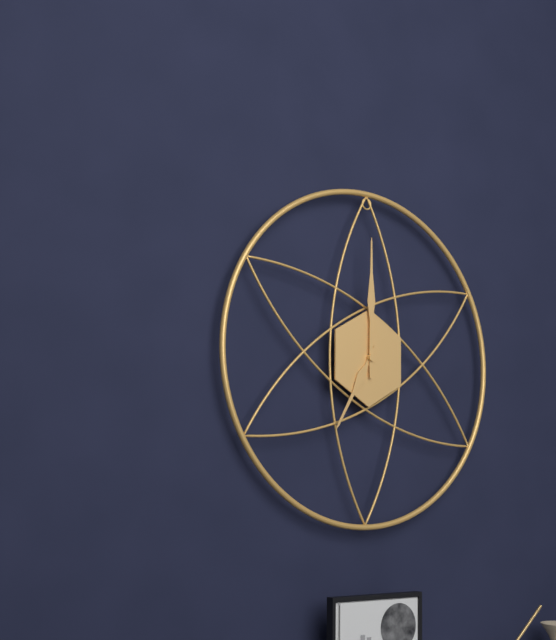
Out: 7h00
